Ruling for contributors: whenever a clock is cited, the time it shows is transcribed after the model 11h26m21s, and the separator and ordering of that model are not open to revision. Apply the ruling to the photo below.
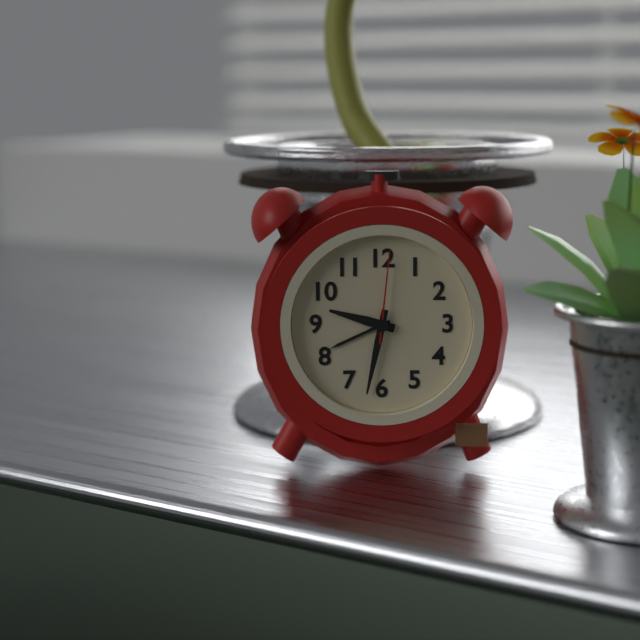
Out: 9h32m01s
